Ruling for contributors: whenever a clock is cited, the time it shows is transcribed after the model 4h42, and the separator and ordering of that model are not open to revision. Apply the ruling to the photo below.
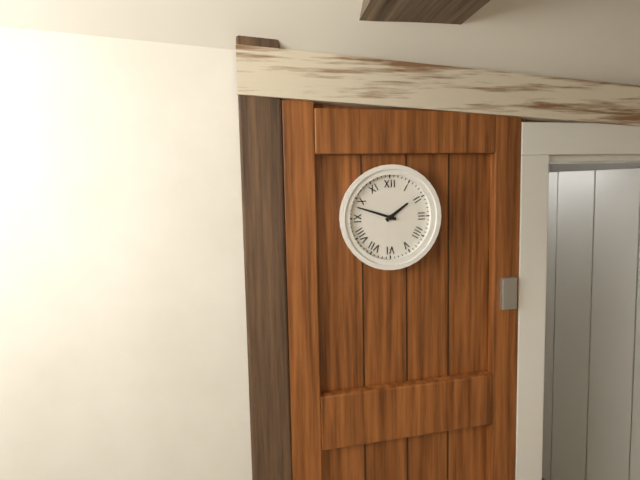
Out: 1h48
